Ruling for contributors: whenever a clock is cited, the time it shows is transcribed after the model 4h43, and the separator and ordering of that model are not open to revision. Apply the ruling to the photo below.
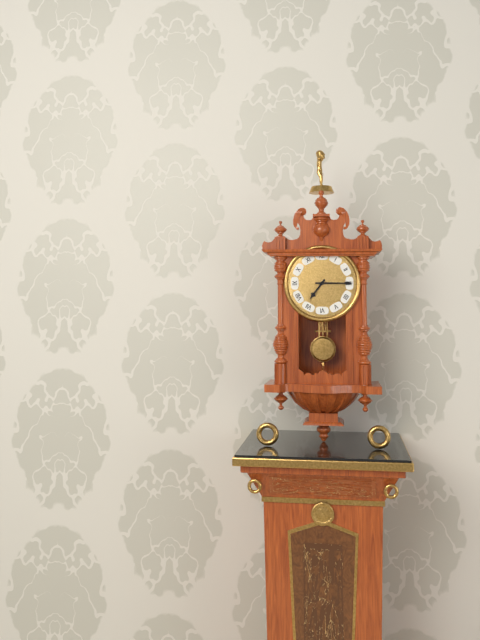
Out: 7h15
